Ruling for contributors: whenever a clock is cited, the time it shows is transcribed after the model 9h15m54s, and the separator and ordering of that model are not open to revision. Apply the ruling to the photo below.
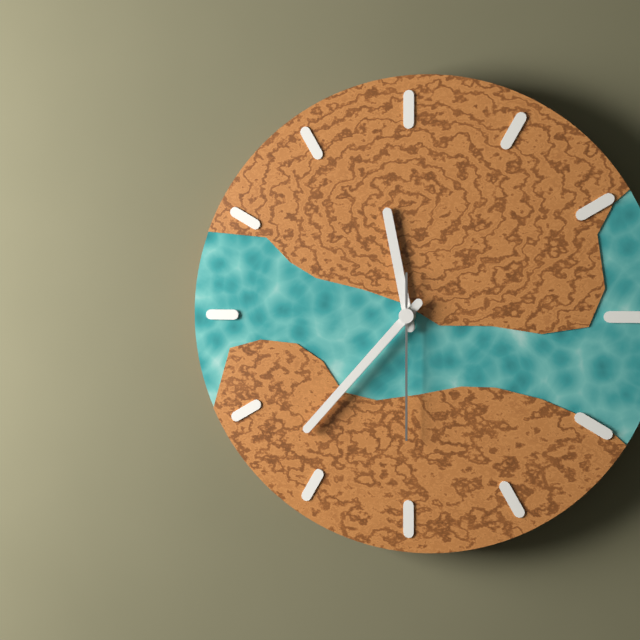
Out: 11h37m30s
